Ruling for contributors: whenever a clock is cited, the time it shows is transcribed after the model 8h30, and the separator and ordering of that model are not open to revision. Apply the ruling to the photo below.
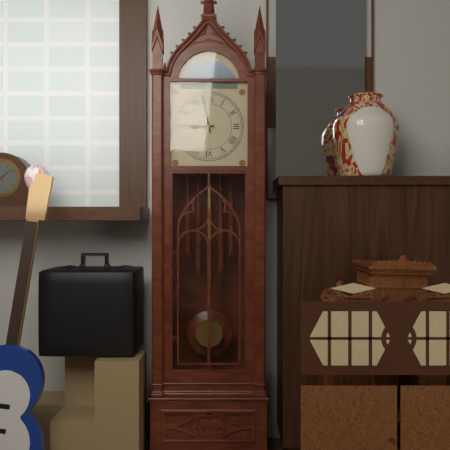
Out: 8h58
